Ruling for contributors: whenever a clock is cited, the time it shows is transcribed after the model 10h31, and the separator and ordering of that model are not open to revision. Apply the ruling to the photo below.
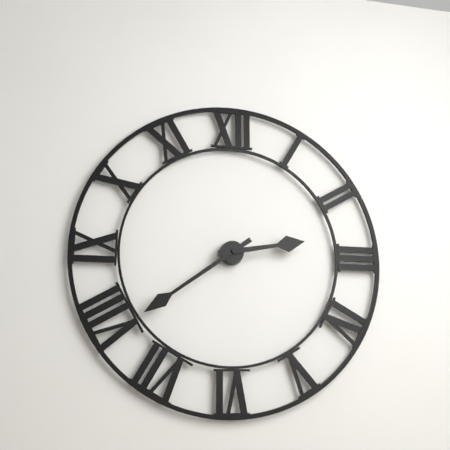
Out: 2h39
